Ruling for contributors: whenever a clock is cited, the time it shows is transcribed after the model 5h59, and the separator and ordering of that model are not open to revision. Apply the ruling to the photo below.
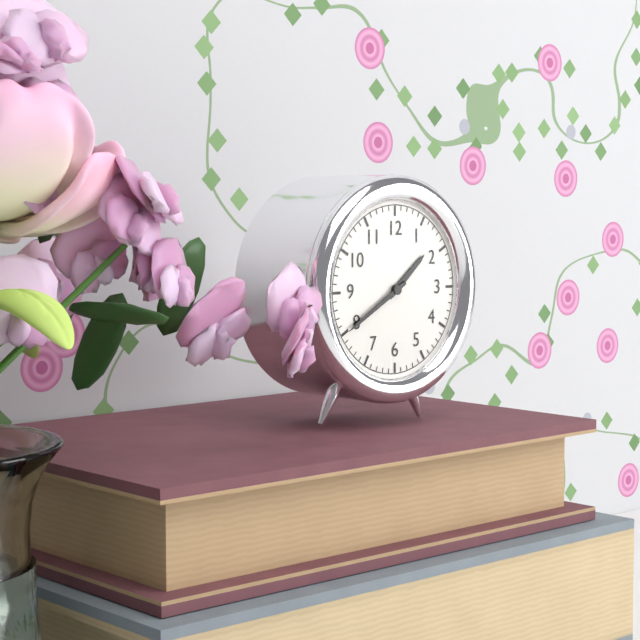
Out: 1h40
